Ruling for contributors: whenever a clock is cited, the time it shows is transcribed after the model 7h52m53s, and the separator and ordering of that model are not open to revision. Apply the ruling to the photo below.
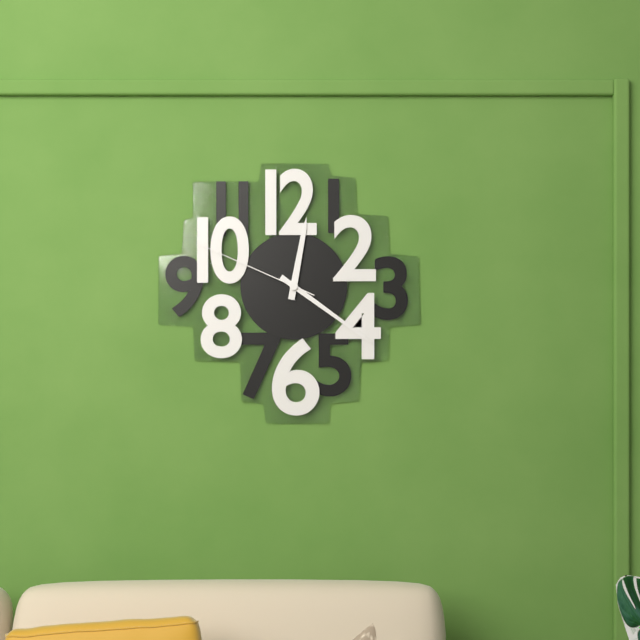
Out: 12h21m49s
